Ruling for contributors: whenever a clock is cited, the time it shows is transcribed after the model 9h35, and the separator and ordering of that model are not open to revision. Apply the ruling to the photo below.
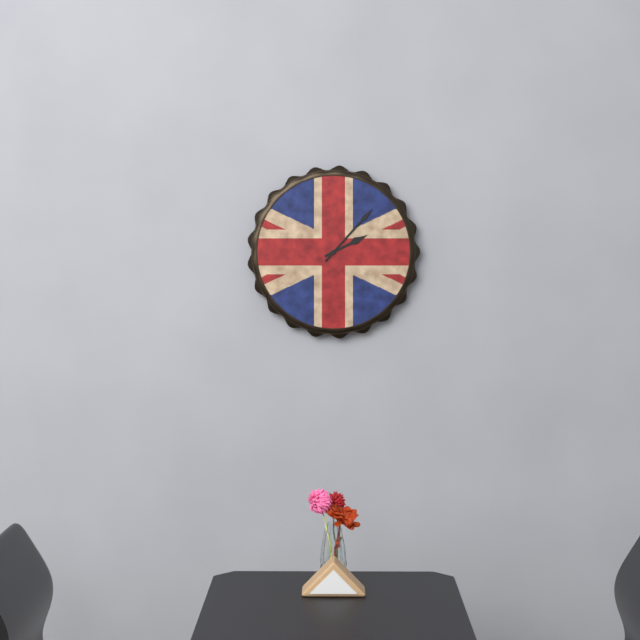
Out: 2h07
